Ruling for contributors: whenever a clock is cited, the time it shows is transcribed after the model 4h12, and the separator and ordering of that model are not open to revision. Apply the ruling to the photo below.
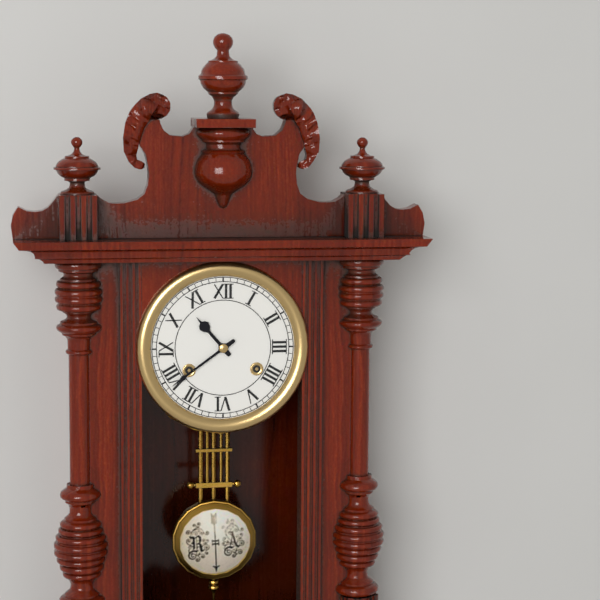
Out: 10h39
